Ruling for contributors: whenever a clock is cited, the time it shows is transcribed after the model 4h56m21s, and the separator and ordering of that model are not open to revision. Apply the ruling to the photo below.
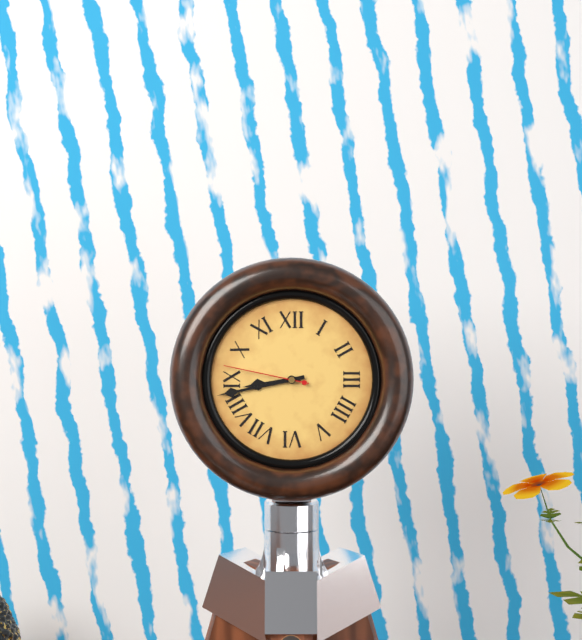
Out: 8h43m47s
